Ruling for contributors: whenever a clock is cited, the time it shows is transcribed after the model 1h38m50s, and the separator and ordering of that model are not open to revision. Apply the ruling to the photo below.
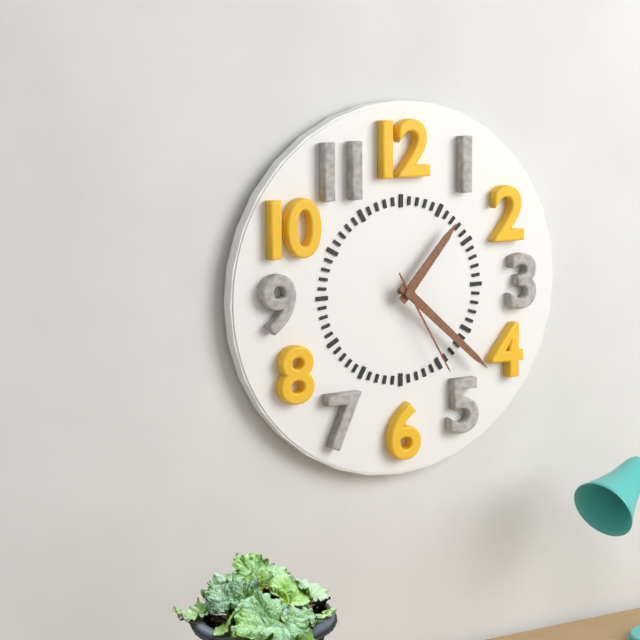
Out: 1h22m25s
